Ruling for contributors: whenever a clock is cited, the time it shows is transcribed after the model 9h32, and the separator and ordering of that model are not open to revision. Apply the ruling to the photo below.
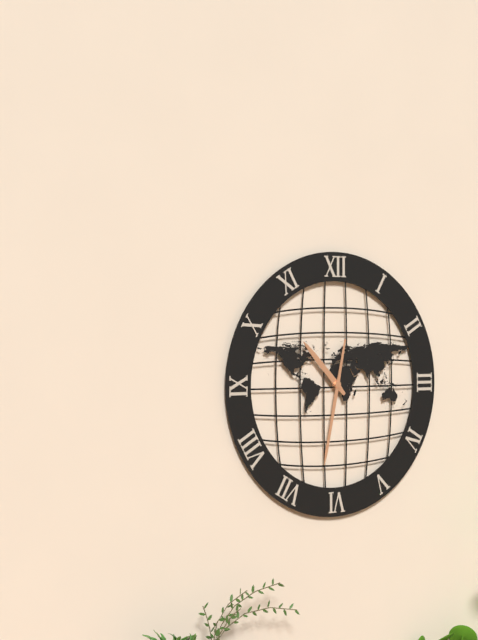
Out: 10h32
